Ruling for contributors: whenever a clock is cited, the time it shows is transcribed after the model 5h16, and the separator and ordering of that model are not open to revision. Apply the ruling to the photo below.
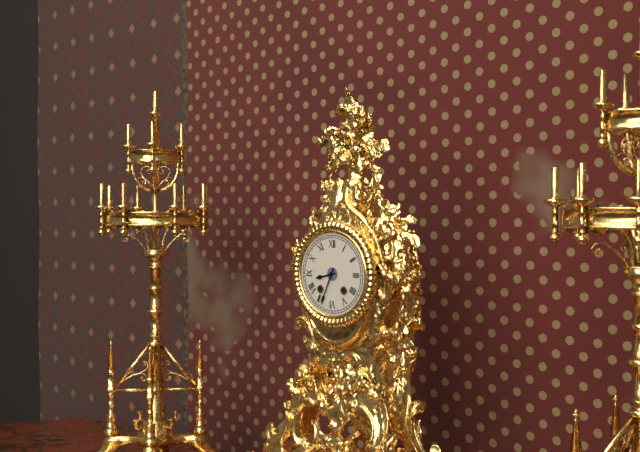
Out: 8h34
